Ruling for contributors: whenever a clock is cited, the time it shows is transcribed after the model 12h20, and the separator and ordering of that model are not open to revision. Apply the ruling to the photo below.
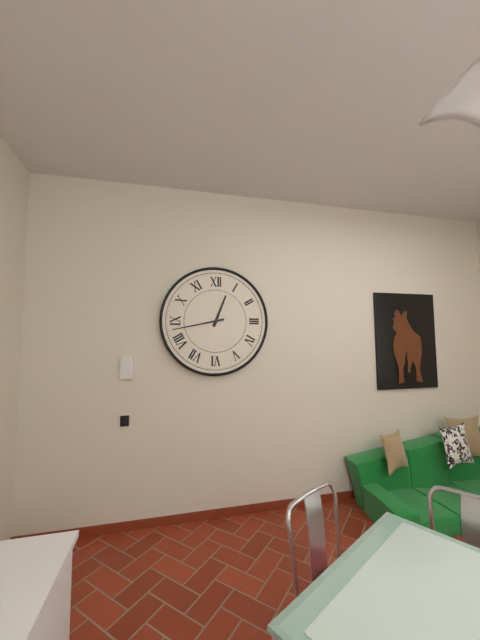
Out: 12h43
